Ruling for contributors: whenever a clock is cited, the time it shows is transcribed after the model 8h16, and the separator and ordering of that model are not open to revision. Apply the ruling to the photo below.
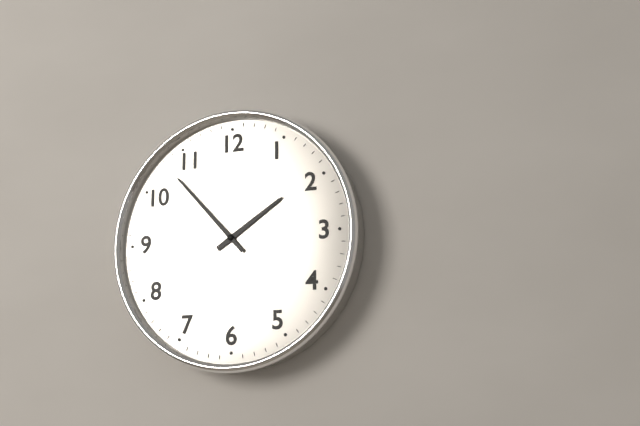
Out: 1h53
